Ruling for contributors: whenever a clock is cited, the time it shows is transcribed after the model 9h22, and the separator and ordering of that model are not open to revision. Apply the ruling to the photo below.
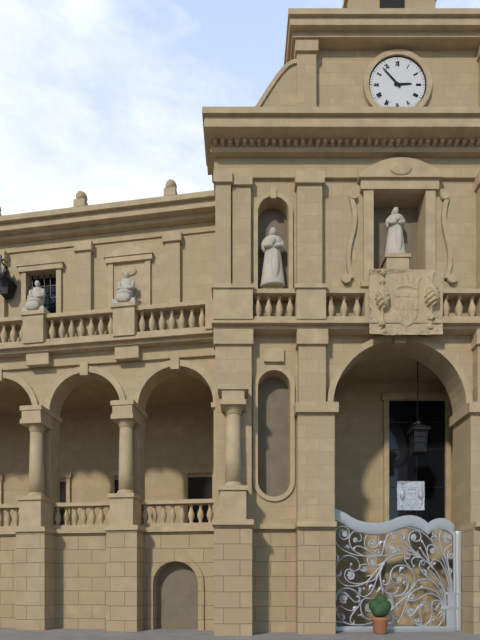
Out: 2h53
